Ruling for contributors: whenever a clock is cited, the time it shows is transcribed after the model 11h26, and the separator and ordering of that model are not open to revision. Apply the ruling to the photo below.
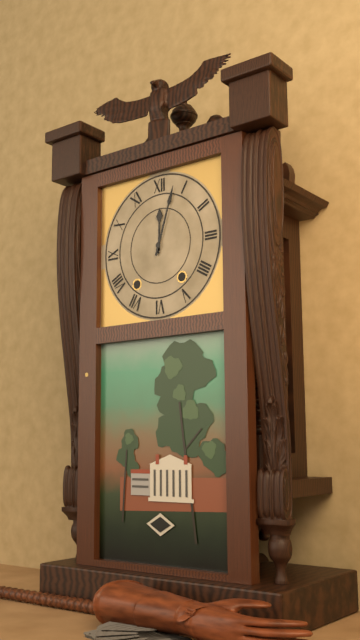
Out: 12h03
